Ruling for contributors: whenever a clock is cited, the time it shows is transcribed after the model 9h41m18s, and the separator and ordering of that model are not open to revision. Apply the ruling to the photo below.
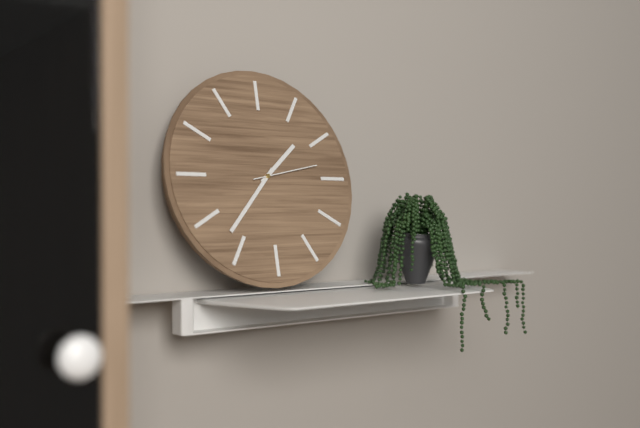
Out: 1h37m13s
